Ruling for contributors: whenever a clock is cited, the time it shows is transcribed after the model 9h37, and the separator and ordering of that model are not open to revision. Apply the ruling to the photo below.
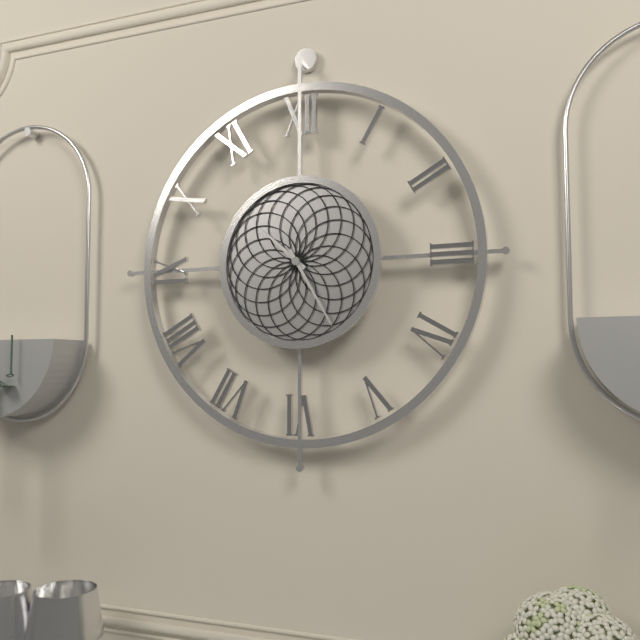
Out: 10h25
